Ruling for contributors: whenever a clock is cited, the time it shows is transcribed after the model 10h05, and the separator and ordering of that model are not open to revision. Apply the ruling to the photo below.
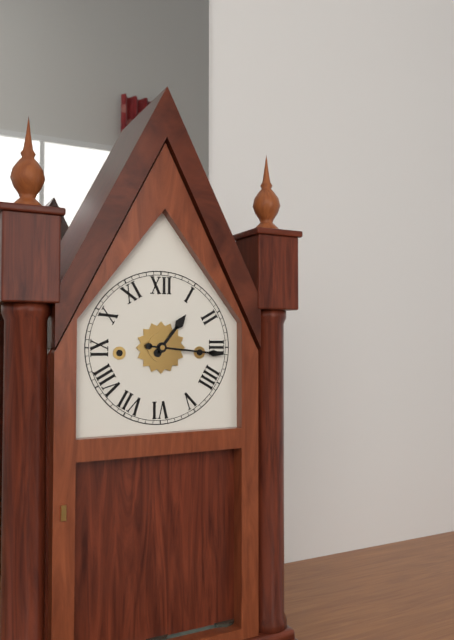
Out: 1h16
